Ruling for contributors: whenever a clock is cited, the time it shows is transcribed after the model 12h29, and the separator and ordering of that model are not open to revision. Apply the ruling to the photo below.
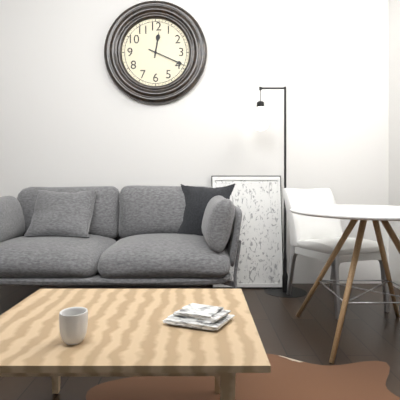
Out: 12h19
